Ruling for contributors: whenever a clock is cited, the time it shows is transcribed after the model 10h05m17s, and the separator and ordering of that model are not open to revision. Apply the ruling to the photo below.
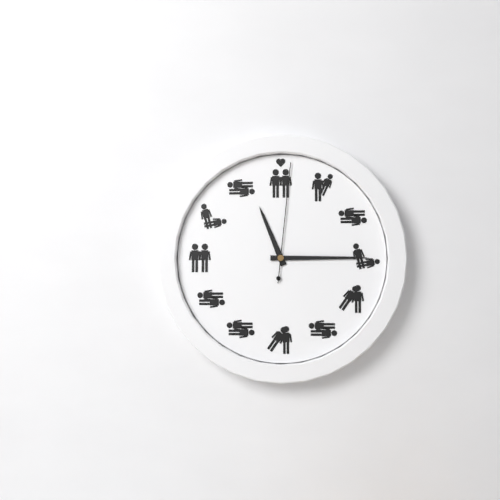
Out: 11h15m01s
